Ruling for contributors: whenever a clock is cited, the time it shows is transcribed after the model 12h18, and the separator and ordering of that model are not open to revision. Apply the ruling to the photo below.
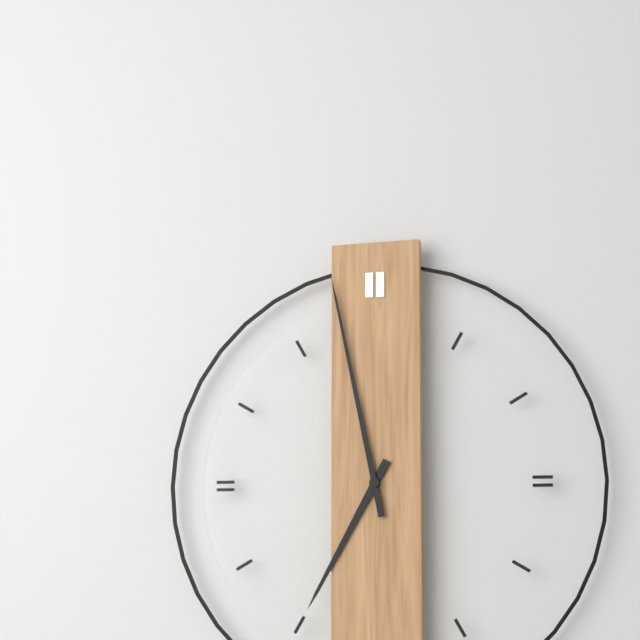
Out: 6h58
